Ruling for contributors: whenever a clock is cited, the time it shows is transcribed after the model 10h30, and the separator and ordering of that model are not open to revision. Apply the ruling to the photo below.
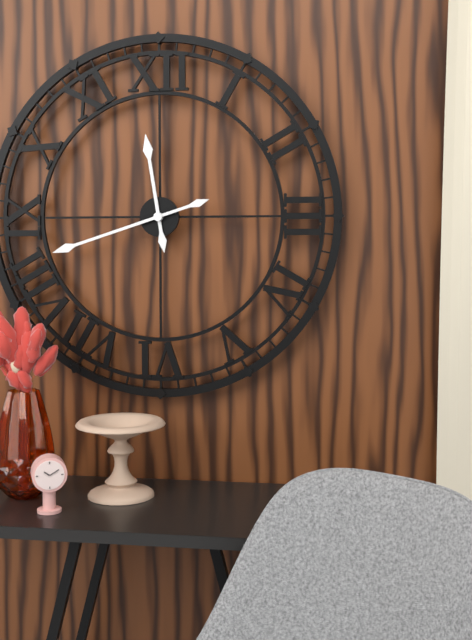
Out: 11h42
